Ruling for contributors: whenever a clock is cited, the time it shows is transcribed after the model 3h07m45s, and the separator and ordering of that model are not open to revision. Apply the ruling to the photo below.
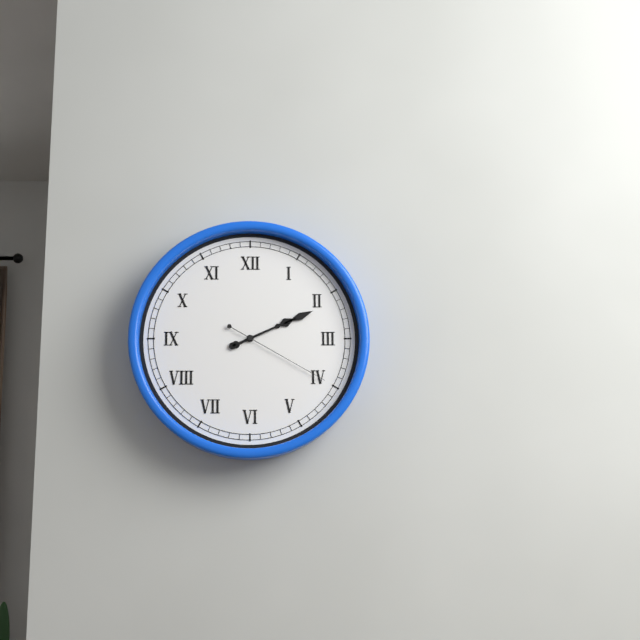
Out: 2h11m20s
